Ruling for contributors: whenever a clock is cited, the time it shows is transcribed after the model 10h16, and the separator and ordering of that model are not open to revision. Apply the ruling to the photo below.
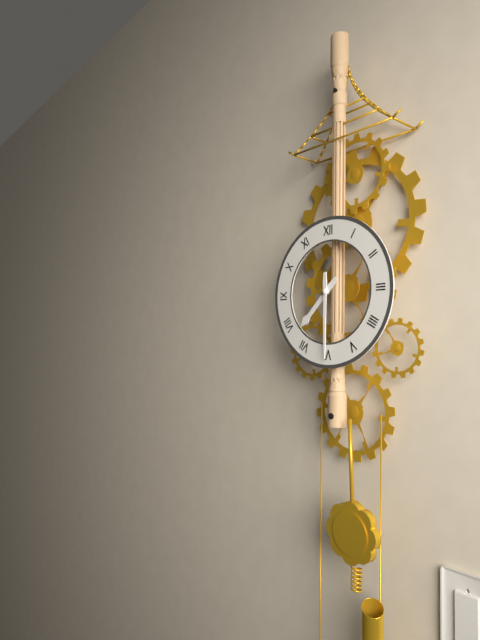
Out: 7h30
